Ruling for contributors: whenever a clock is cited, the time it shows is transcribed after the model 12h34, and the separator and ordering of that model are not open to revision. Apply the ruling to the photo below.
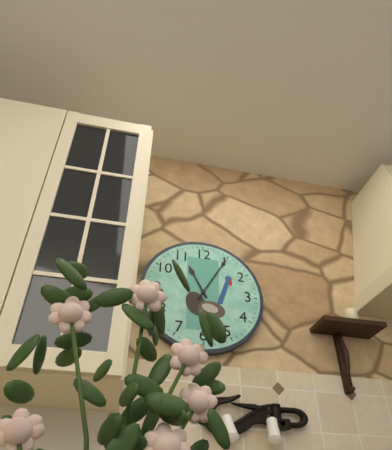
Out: 11h05
